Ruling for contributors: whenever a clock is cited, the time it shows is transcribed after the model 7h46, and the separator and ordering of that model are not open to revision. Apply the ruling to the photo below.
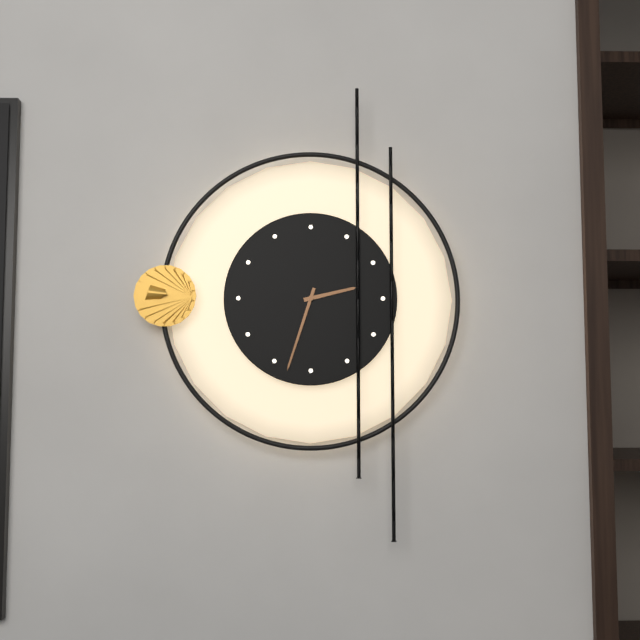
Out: 2h33
